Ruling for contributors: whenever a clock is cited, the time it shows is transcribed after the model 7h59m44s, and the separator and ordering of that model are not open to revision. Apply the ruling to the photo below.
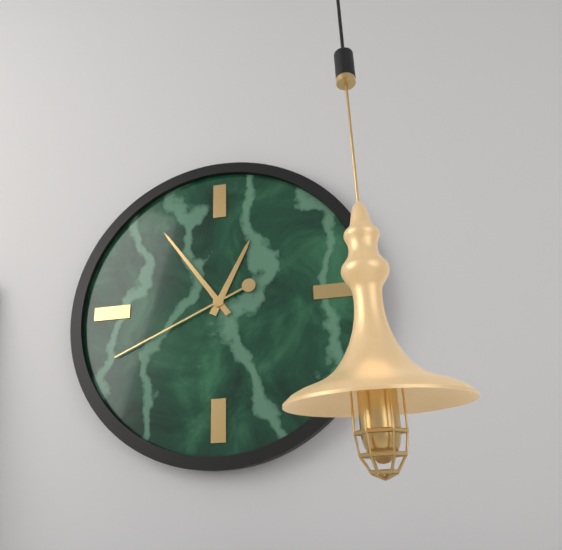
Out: 12h54m41s
